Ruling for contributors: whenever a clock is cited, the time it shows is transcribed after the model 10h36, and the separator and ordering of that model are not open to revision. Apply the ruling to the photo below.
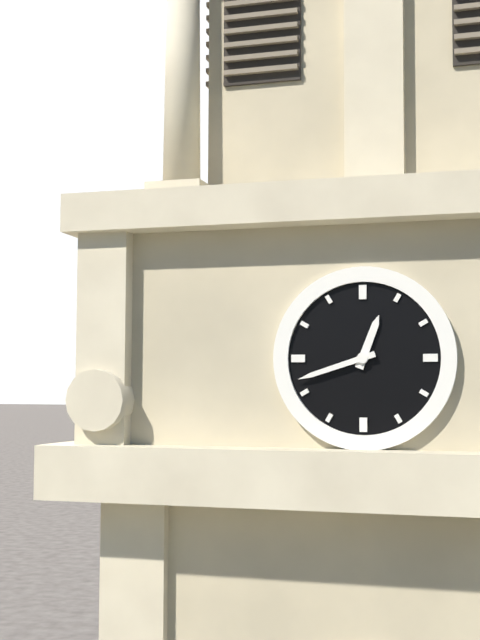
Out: 12h42
